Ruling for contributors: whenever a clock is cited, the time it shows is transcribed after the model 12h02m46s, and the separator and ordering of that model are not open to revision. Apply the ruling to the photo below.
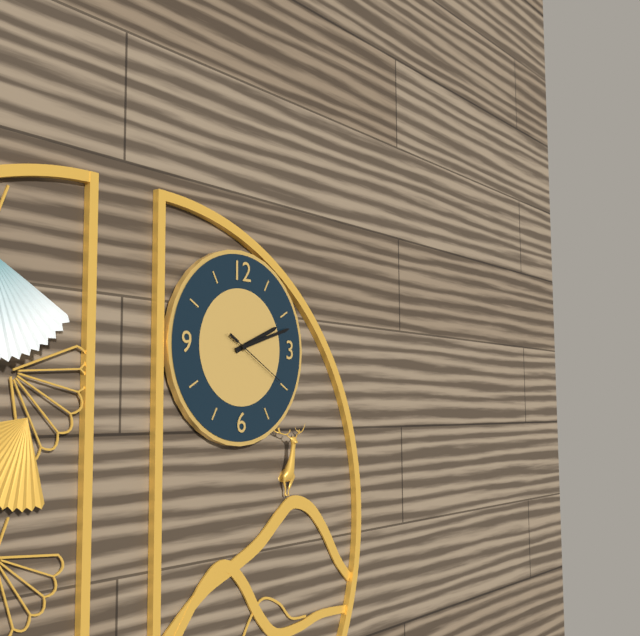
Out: 2h12m20s
